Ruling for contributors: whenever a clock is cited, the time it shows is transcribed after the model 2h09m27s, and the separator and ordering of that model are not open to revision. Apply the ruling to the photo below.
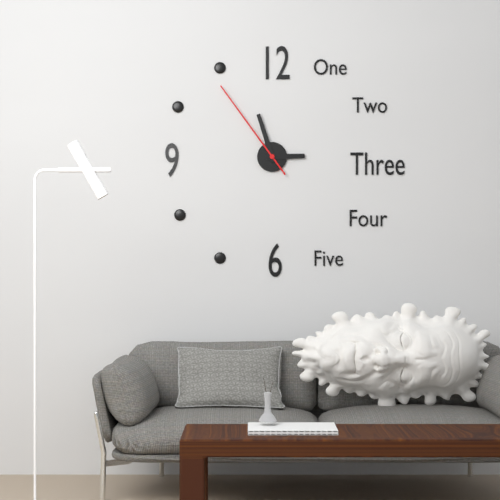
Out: 2h57m54s
